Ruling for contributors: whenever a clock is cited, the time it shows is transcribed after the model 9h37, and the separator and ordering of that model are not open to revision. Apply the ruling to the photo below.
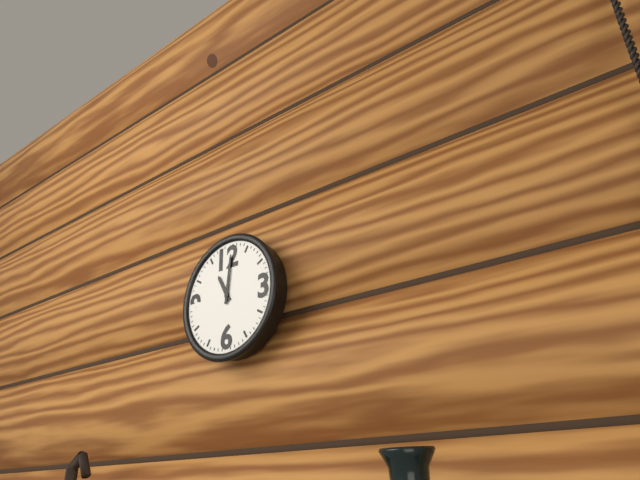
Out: 11h01
